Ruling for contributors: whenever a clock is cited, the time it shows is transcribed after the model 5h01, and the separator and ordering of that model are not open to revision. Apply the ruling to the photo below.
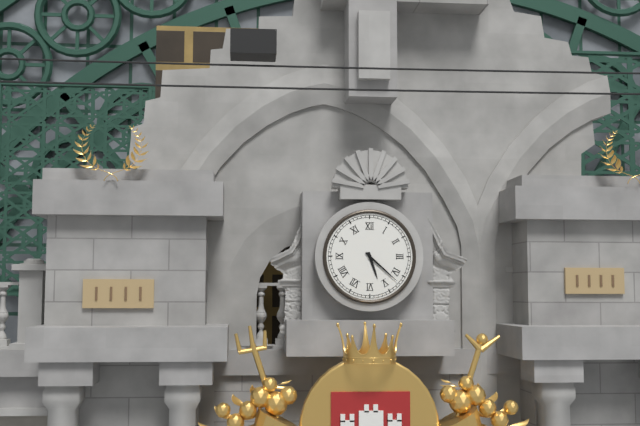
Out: 5h22
